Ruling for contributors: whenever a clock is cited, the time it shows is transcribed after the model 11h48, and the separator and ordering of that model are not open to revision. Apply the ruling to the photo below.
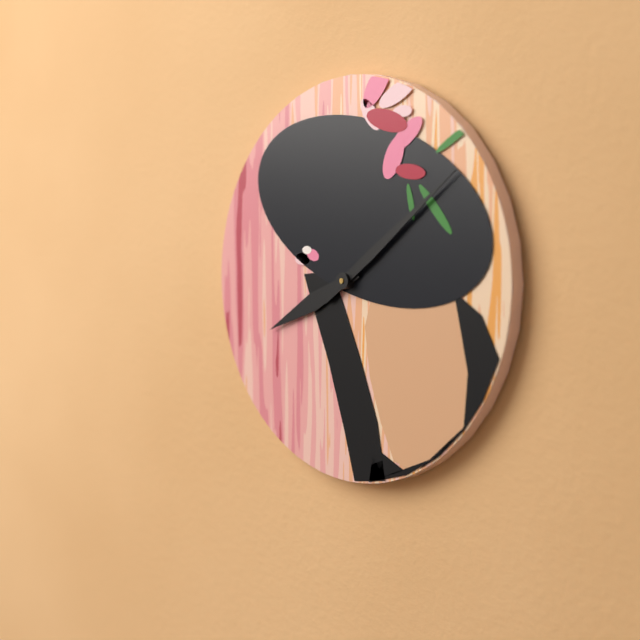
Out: 8h09
